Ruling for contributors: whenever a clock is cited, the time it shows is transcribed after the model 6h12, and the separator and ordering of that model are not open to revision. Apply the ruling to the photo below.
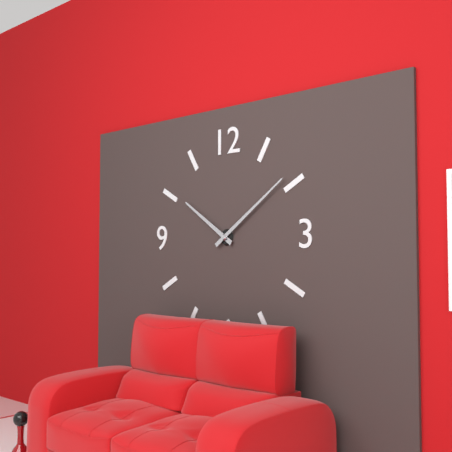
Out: 10h09
